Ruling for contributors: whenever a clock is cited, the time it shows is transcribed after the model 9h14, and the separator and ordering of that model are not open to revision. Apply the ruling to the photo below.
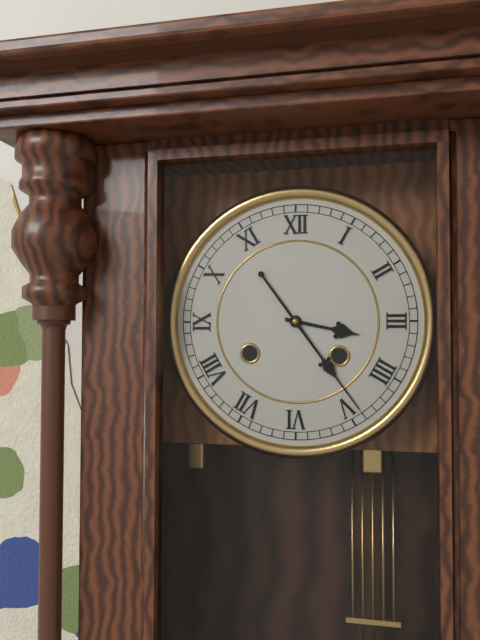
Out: 3h24
